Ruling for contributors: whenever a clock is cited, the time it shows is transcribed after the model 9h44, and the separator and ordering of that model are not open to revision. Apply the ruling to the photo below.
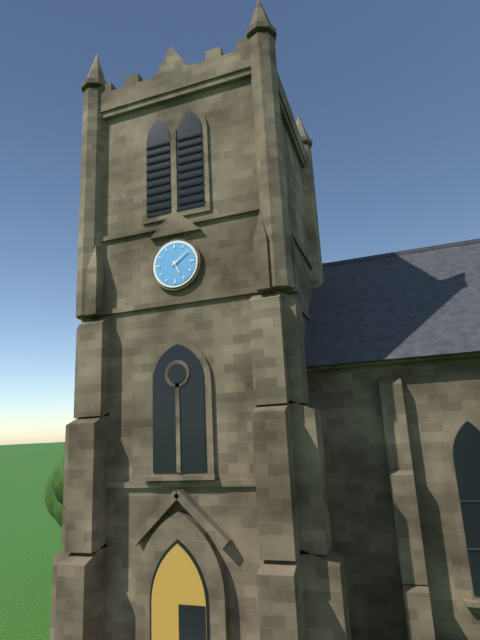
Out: 5h09
